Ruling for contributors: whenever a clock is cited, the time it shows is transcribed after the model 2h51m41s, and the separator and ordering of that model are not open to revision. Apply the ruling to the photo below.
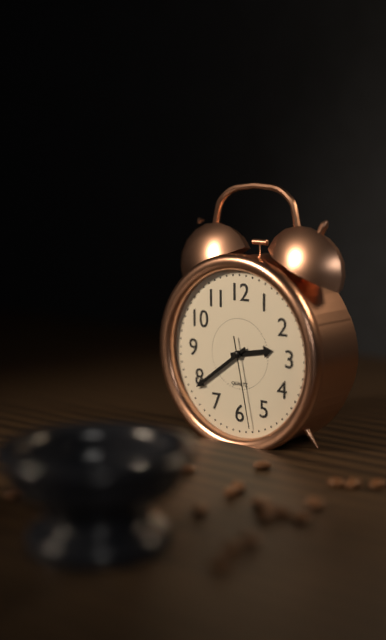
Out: 2h39m28s
